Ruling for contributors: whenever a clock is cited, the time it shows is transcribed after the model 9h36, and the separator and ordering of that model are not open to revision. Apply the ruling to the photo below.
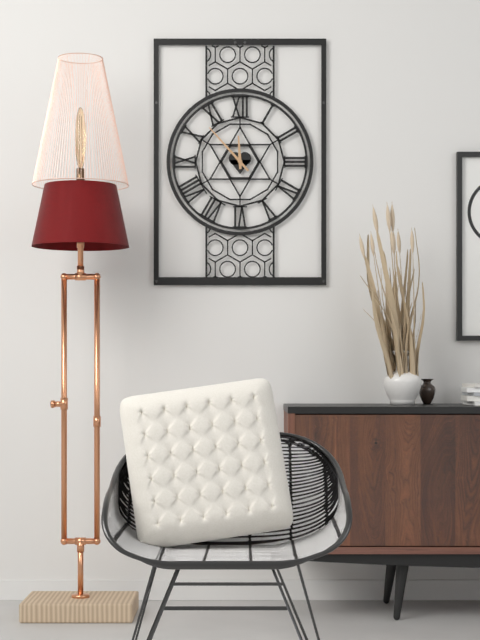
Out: 11h53
